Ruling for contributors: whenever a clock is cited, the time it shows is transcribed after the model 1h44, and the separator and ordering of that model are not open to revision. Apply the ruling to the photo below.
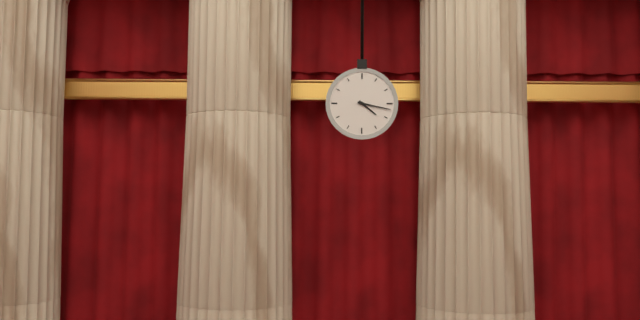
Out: 4h17
